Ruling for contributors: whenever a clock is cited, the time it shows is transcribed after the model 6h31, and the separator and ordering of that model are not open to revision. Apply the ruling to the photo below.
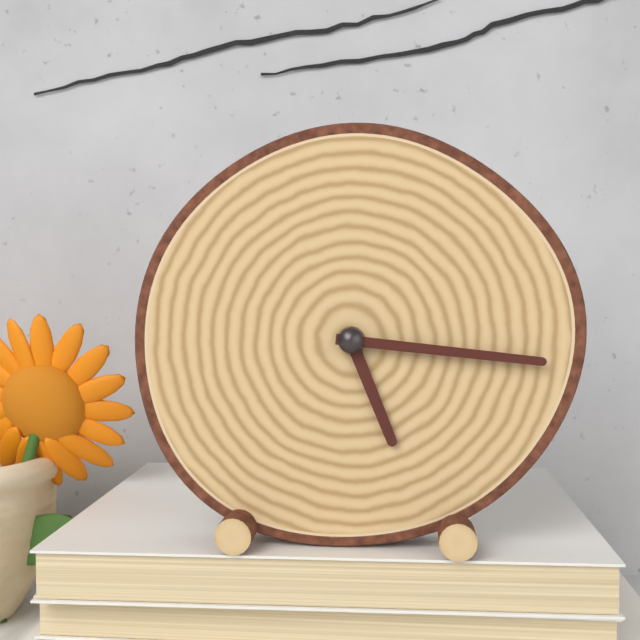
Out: 5h16
